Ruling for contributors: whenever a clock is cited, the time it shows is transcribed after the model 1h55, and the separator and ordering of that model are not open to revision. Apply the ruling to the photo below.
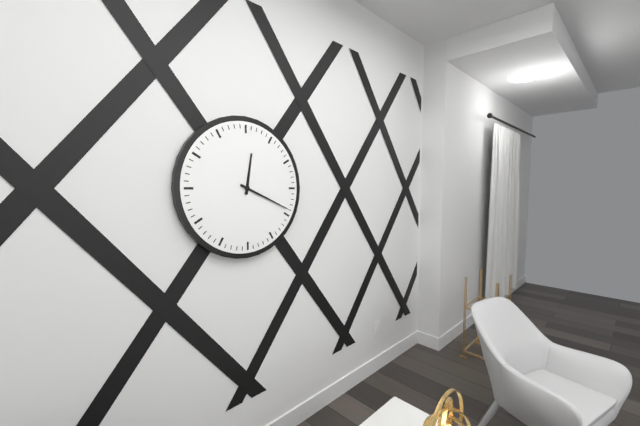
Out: 12h19
